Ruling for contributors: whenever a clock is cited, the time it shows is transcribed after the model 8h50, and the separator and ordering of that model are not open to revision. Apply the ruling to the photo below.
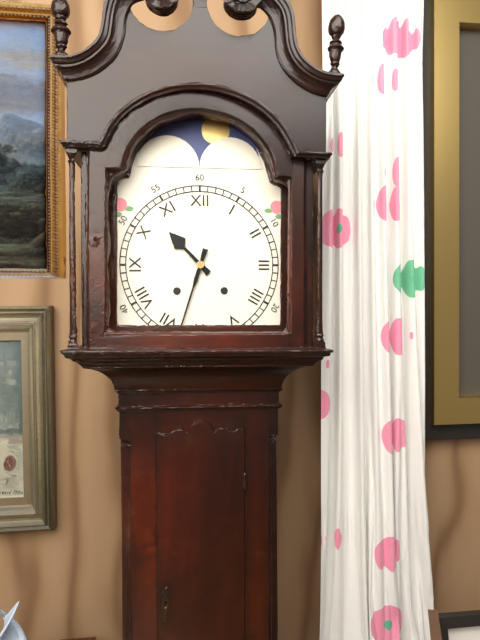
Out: 10h33
